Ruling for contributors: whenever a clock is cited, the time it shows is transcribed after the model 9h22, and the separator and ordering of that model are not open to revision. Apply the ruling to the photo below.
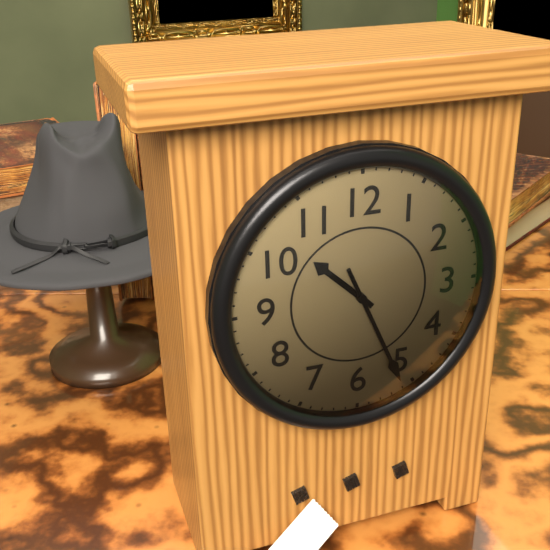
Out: 10h26
